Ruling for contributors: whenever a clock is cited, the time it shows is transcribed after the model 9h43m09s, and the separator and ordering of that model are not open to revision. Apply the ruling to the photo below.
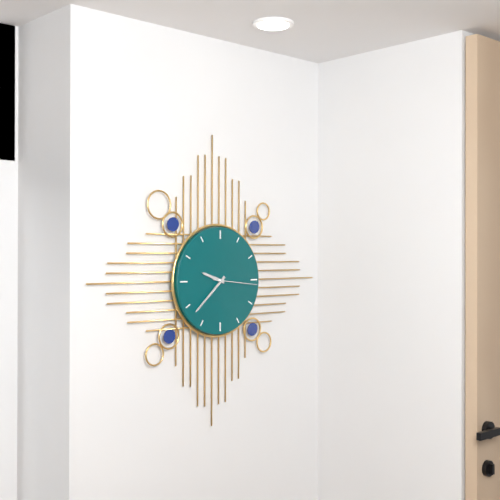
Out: 9h38m16s
